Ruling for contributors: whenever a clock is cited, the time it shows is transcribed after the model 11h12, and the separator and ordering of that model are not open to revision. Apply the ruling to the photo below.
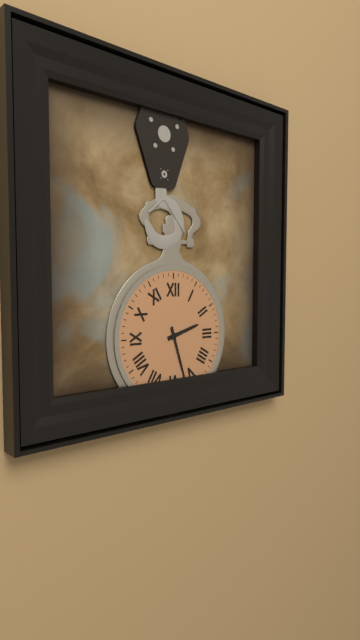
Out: 2h27
